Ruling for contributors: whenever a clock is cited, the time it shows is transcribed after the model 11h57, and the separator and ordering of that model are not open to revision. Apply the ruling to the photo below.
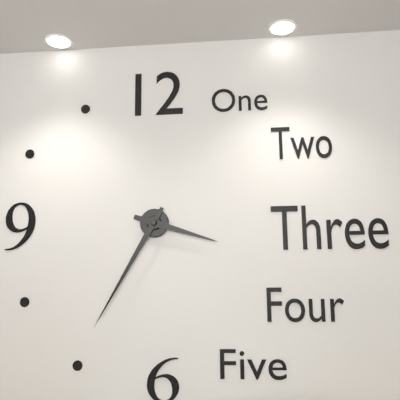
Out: 3h35
